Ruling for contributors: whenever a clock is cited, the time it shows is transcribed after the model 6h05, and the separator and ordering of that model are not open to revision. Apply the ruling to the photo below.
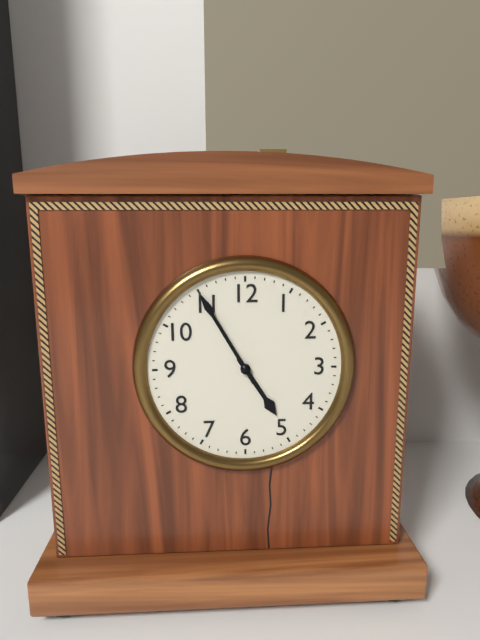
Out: 4h55
